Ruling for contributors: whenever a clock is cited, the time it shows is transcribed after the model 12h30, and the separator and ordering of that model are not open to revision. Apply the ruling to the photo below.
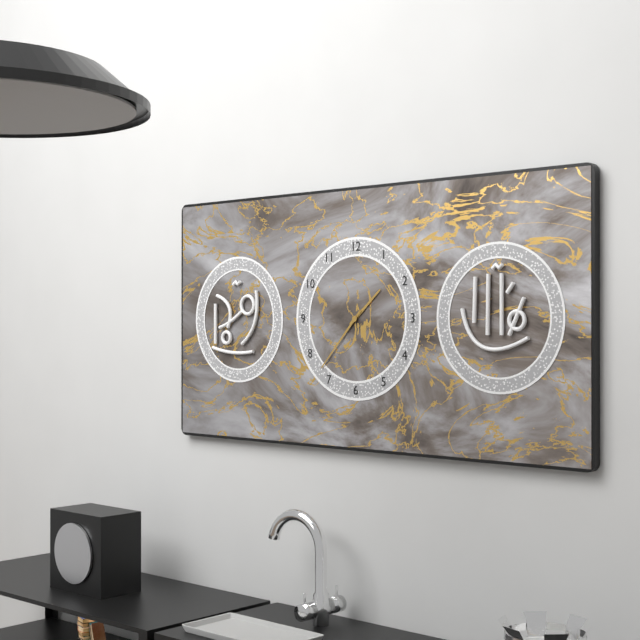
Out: 1h37
